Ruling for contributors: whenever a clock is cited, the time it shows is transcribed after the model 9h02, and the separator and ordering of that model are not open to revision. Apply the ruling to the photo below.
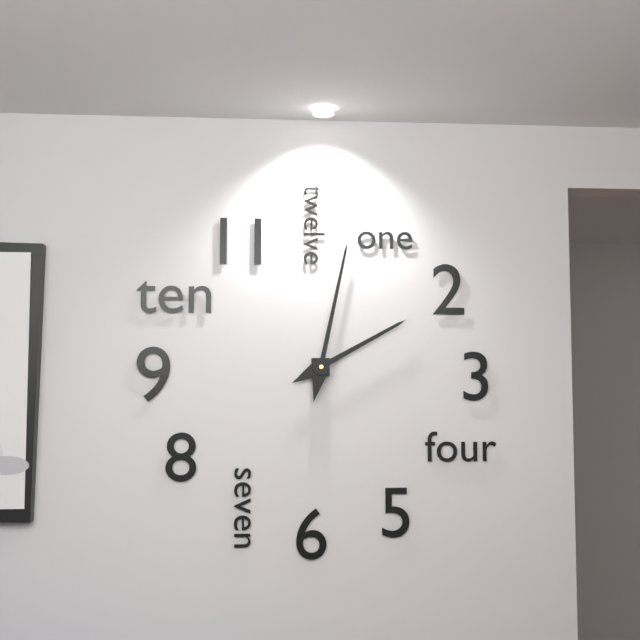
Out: 2h02
